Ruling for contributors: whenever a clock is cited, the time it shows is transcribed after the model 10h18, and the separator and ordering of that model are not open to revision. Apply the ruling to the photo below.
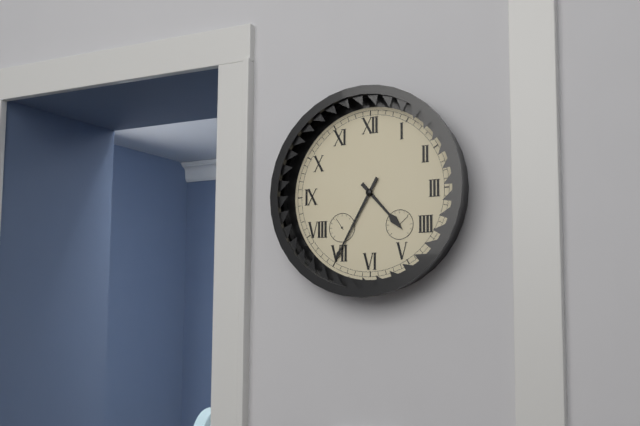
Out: 4h35
